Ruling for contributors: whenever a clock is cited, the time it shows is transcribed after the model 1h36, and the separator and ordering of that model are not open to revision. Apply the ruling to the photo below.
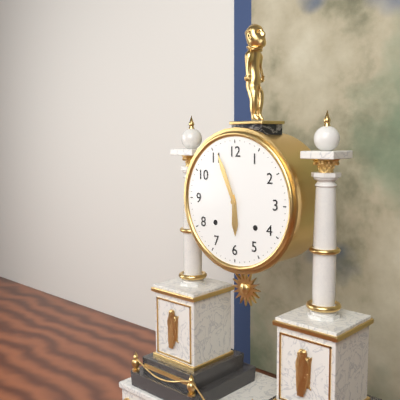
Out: 5h56
